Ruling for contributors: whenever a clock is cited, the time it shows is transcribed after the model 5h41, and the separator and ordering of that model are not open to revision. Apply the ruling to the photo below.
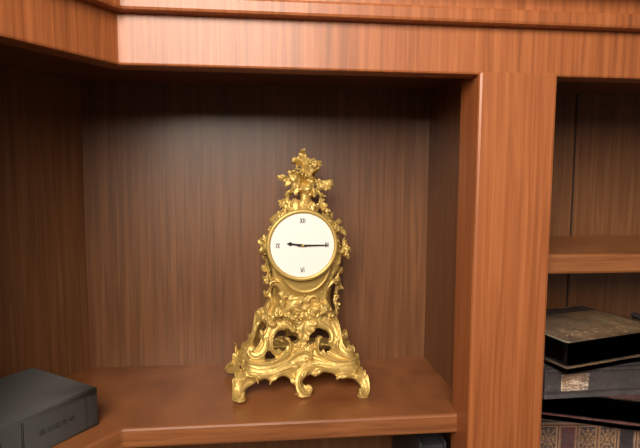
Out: 9h15
